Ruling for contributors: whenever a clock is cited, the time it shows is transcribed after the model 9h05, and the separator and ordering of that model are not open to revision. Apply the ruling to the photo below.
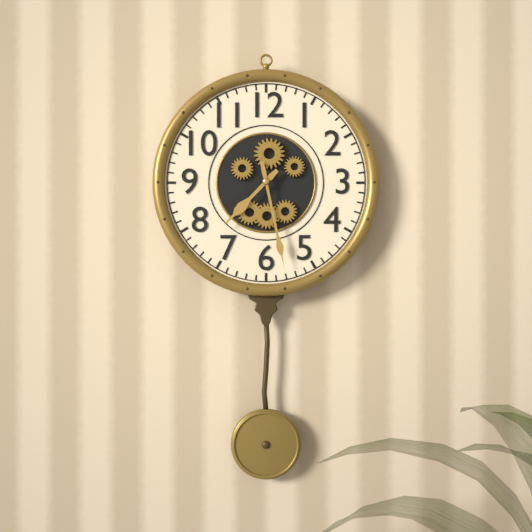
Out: 7h28
